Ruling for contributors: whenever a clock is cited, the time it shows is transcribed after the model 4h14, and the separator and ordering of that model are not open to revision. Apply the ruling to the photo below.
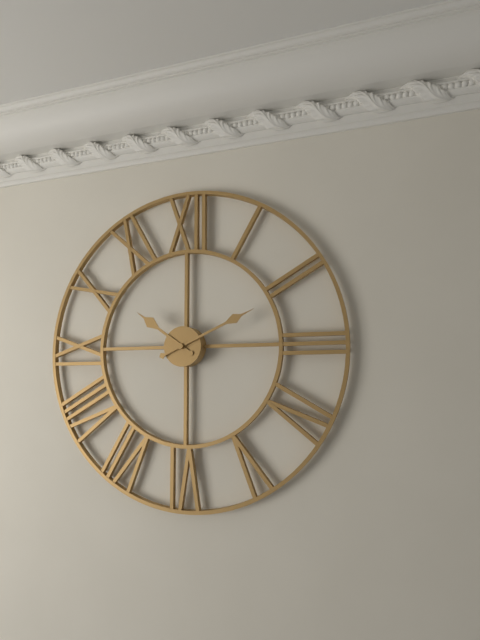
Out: 10h11
